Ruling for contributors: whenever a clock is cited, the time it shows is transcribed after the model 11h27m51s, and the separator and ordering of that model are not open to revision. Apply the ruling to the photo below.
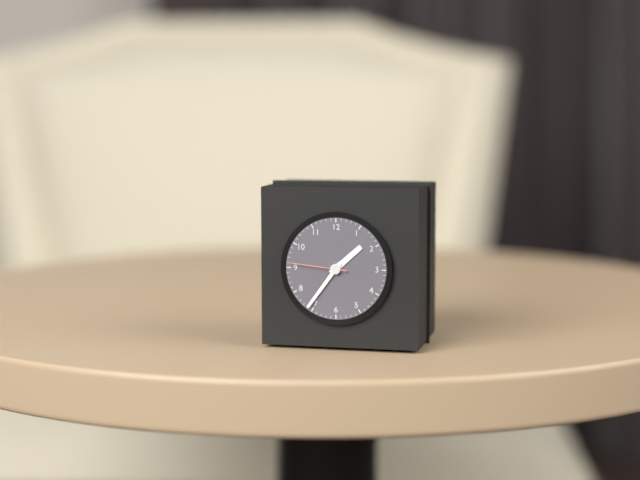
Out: 1h36m46s
